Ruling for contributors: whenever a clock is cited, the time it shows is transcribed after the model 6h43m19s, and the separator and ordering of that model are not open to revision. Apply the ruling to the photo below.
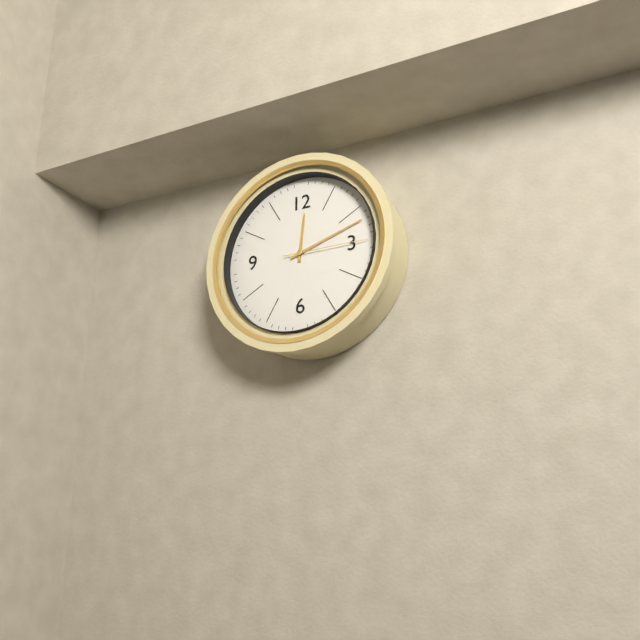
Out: 12h12m15s
